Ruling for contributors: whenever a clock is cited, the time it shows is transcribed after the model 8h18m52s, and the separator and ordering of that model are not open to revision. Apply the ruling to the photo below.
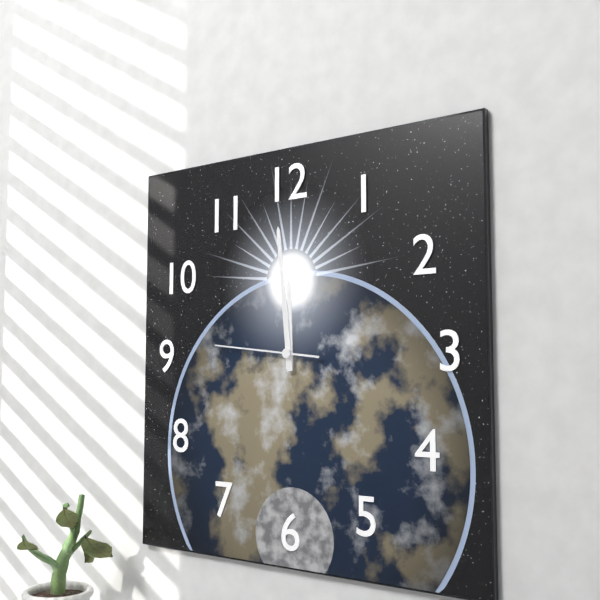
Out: 11h59m46s
